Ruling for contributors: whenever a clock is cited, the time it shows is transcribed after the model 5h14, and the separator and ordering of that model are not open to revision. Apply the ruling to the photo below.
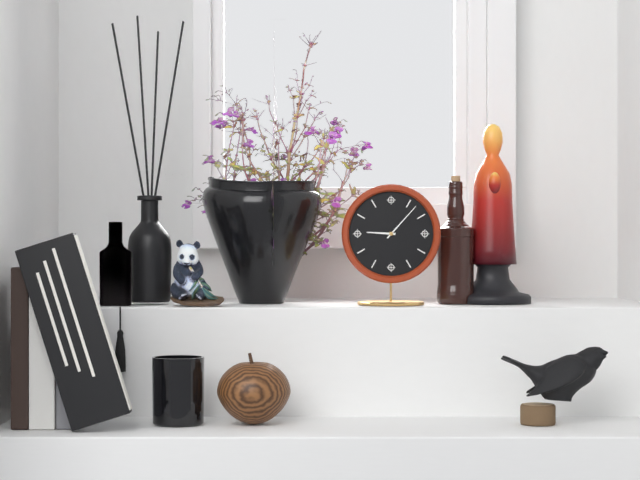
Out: 9h07
